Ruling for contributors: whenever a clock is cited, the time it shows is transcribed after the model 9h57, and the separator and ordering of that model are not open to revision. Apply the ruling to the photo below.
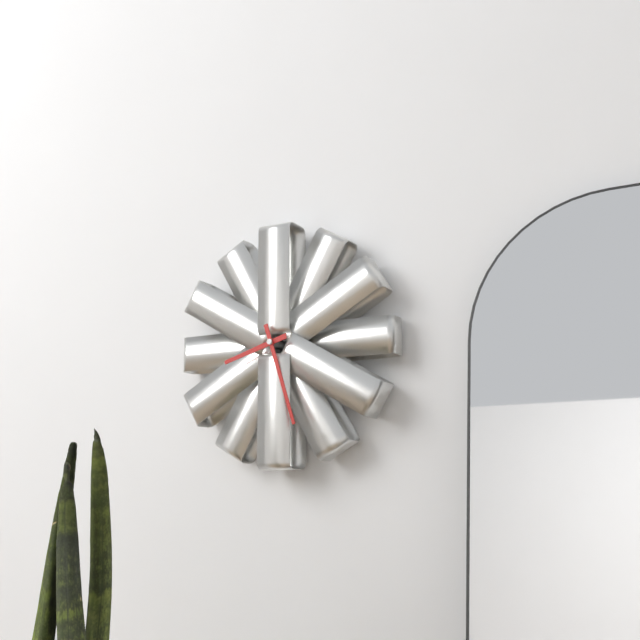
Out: 8h27
